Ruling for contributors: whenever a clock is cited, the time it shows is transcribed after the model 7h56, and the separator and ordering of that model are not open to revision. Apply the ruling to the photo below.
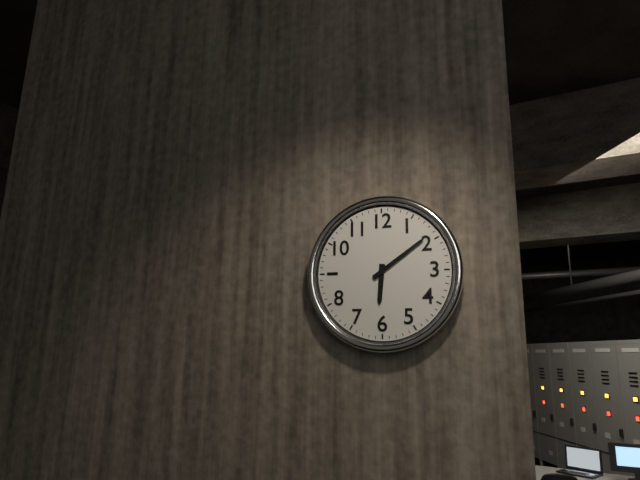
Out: 6h09
